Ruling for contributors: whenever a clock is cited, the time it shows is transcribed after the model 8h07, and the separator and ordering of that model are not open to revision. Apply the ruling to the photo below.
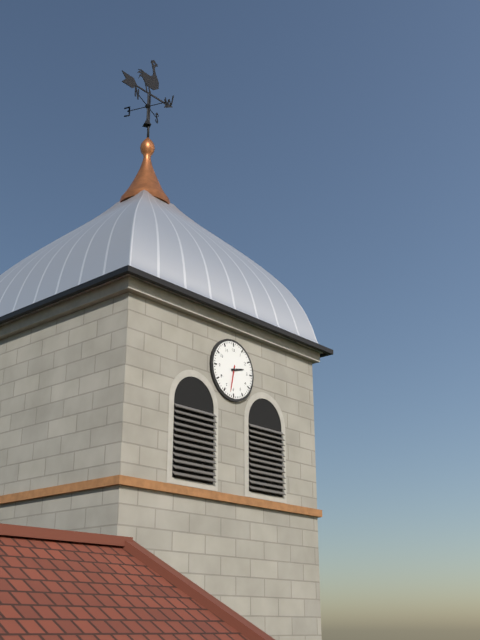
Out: 2h32
